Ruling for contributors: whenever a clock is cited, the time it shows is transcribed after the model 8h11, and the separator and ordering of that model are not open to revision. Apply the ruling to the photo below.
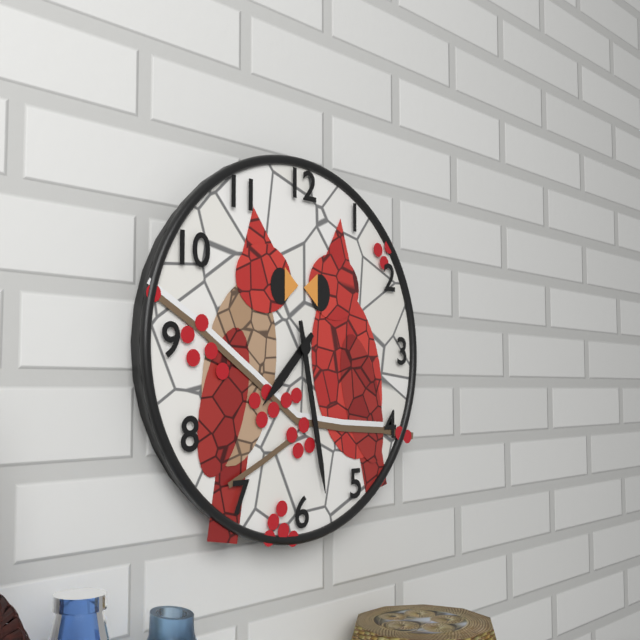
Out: 7h28
